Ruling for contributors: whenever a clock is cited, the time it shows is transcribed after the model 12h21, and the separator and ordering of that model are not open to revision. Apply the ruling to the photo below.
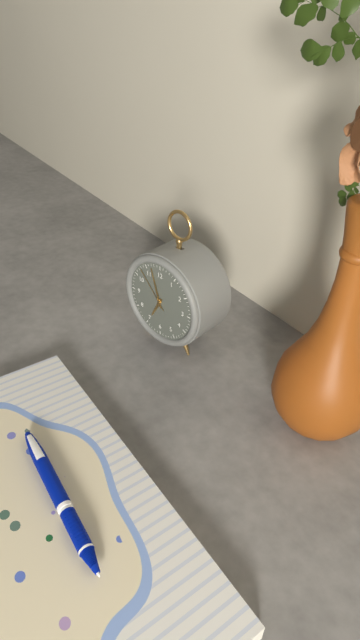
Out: 6h57
